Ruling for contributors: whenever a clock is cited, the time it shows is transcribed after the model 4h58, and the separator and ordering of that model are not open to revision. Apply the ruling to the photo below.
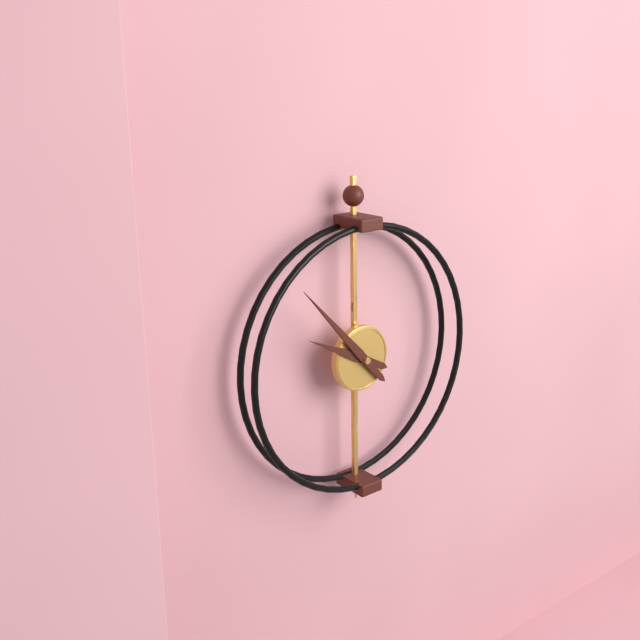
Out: 9h53
